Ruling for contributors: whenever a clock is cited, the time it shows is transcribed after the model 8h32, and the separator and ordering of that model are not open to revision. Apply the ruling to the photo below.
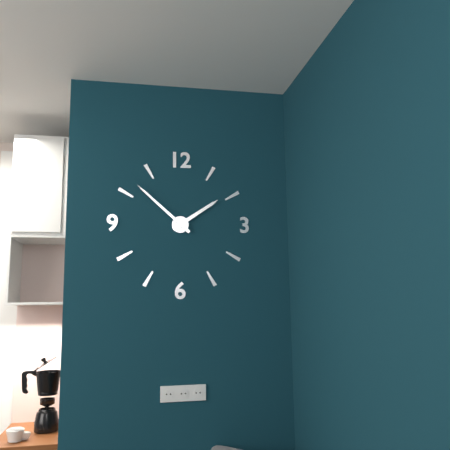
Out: 1h52
